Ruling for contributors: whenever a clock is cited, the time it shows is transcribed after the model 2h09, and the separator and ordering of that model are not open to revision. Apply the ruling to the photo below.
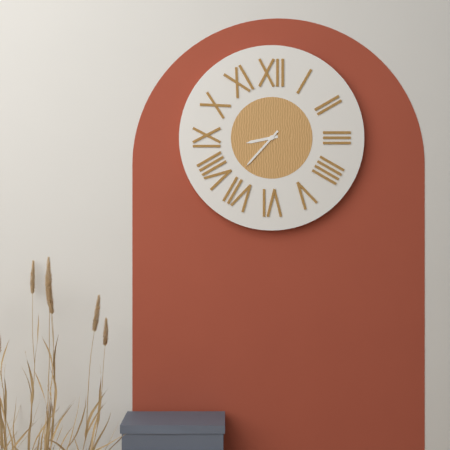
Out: 8h37
